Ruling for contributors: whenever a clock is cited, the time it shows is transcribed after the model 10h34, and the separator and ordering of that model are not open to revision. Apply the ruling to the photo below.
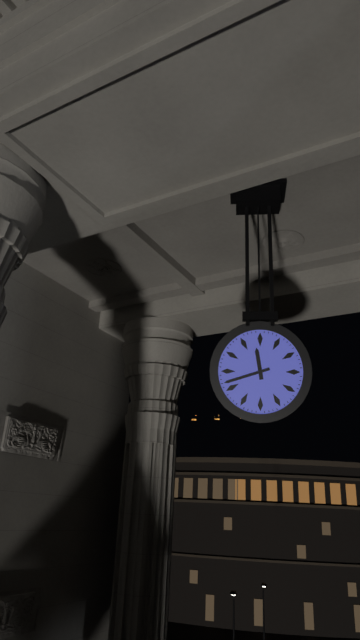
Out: 11h42
